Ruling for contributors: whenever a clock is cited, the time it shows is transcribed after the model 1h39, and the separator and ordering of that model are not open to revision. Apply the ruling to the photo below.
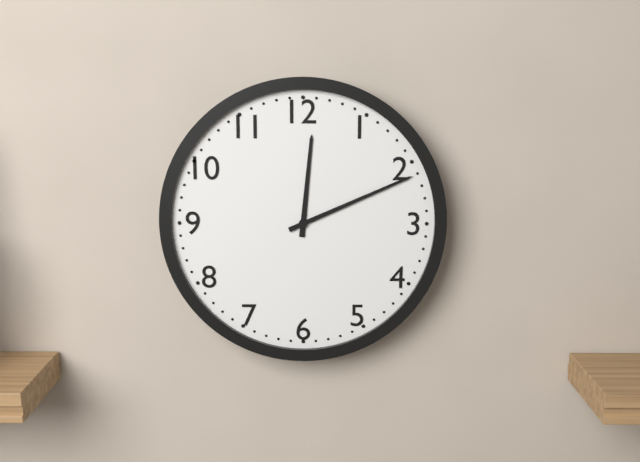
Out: 12h11
